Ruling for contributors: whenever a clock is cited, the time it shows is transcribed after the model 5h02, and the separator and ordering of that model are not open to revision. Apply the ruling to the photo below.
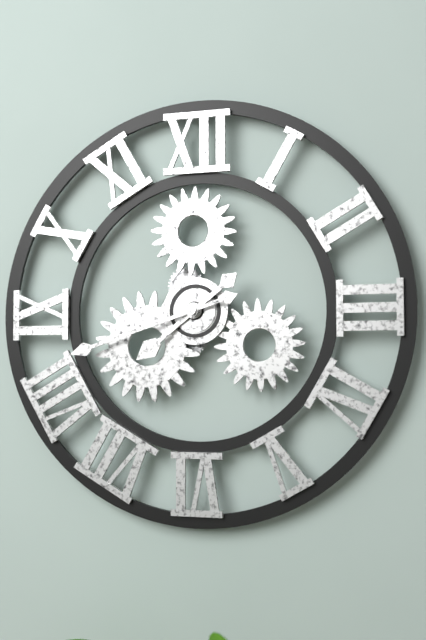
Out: 7h42
